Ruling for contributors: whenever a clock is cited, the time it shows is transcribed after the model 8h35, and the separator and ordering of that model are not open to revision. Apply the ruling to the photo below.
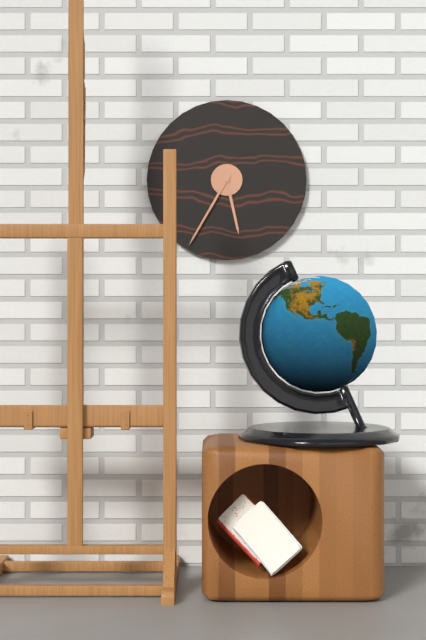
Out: 5h35
